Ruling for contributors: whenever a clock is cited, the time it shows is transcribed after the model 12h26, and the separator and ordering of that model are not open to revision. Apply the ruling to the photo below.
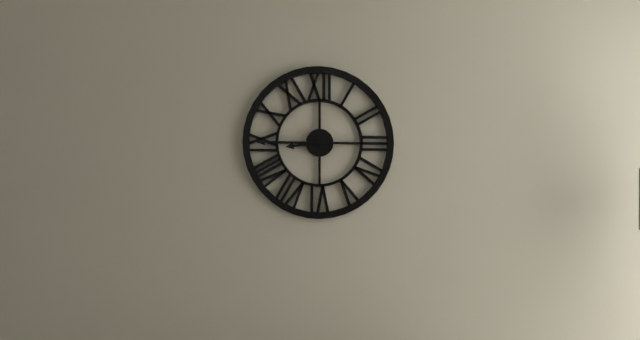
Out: 8h45
